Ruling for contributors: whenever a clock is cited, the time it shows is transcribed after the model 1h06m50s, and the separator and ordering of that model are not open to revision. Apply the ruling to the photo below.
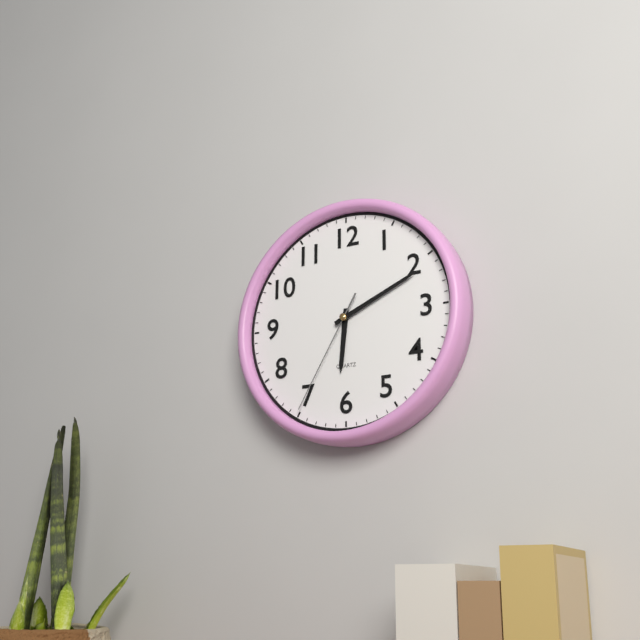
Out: 6h11m35s
